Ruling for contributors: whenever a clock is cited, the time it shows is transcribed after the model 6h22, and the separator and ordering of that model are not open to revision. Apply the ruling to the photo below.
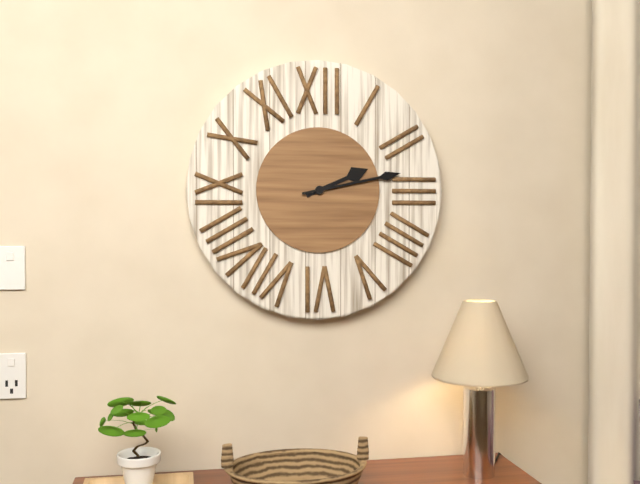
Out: 2h13
